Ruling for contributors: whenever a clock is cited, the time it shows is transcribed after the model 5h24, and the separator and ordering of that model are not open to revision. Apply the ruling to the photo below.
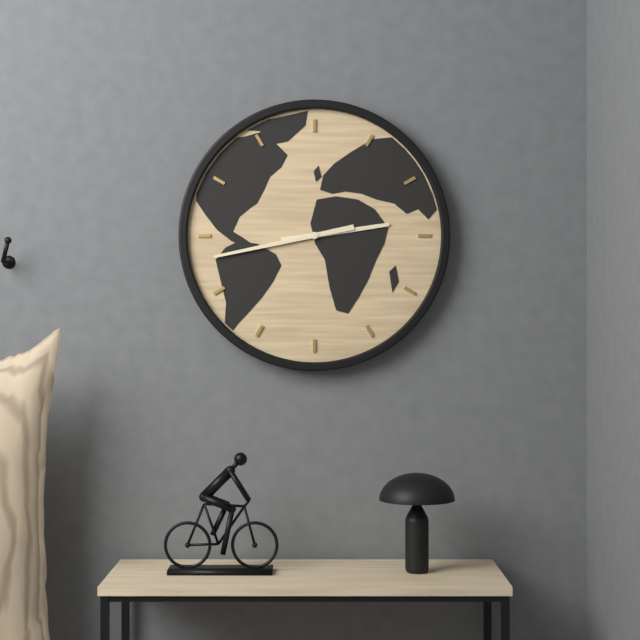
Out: 2h43
